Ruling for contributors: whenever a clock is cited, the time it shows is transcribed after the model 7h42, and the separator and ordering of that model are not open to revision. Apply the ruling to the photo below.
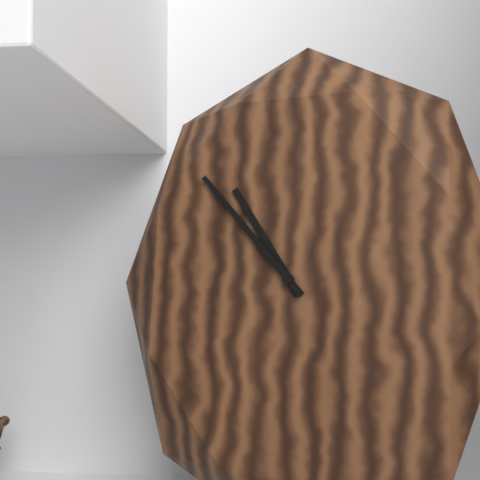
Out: 10h53
